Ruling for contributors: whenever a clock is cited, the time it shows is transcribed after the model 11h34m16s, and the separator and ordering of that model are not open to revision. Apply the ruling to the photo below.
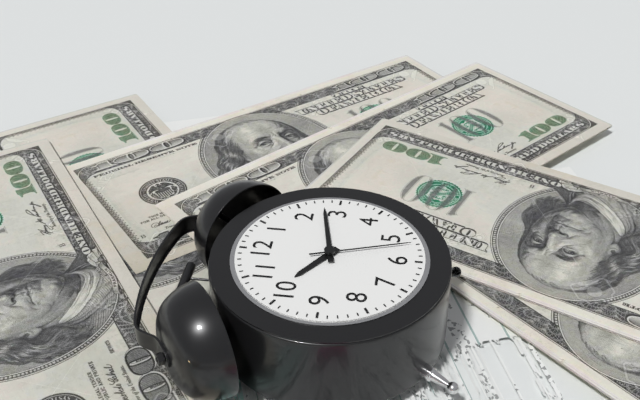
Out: 10h13m27s
